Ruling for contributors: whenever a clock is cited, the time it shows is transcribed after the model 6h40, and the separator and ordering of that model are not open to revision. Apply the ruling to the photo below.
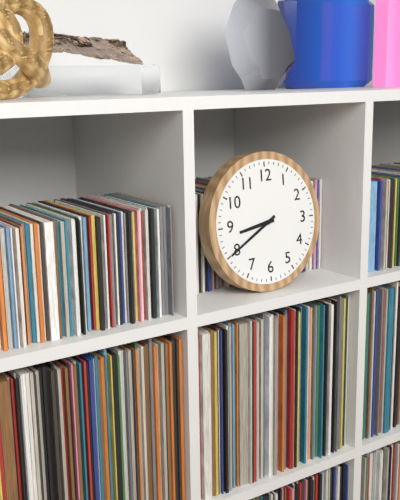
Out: 8h40
